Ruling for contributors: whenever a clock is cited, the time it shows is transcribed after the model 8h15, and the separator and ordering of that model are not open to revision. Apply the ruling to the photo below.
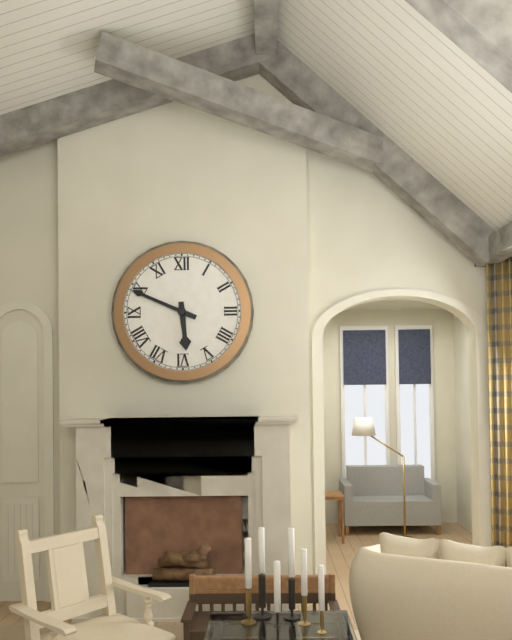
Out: 5h49
